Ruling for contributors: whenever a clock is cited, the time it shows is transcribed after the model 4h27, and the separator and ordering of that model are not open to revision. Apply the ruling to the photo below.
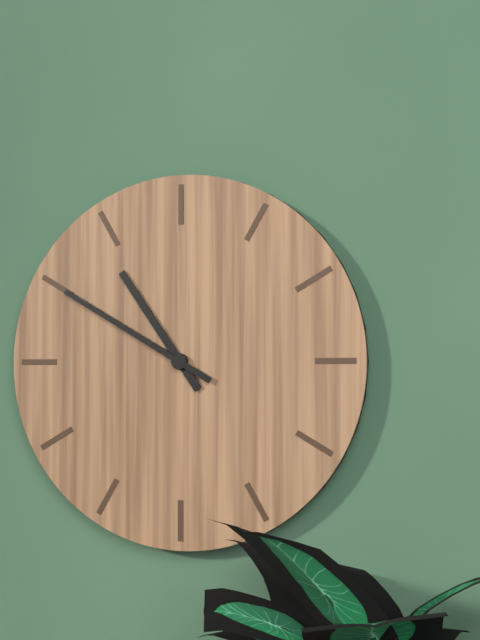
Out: 10h50
